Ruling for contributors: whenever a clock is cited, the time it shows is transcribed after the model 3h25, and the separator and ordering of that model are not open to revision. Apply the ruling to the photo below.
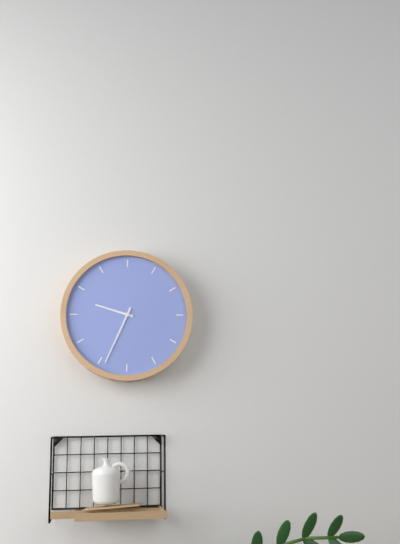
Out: 9h34
